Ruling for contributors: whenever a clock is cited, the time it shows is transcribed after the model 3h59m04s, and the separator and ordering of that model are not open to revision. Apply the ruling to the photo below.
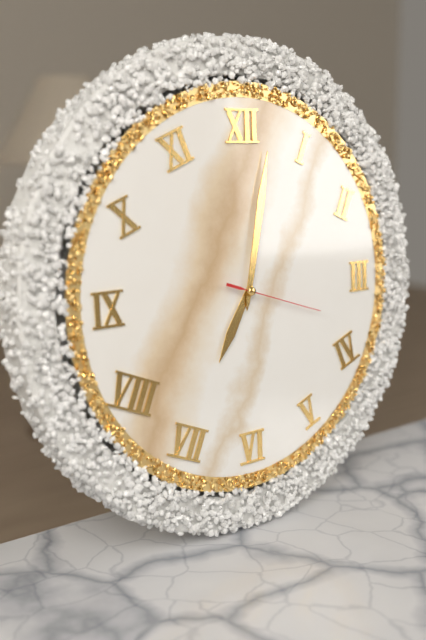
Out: 7h02m18s
